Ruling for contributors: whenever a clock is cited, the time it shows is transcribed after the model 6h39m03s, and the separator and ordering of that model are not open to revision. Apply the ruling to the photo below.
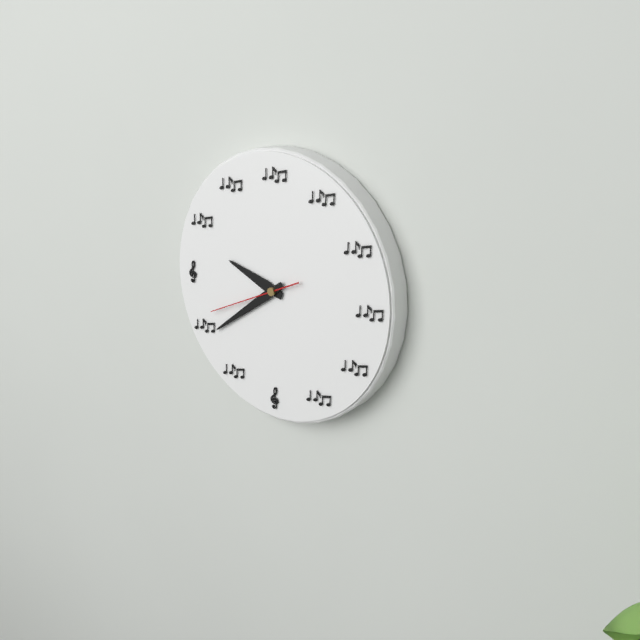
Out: 9h39m41s
